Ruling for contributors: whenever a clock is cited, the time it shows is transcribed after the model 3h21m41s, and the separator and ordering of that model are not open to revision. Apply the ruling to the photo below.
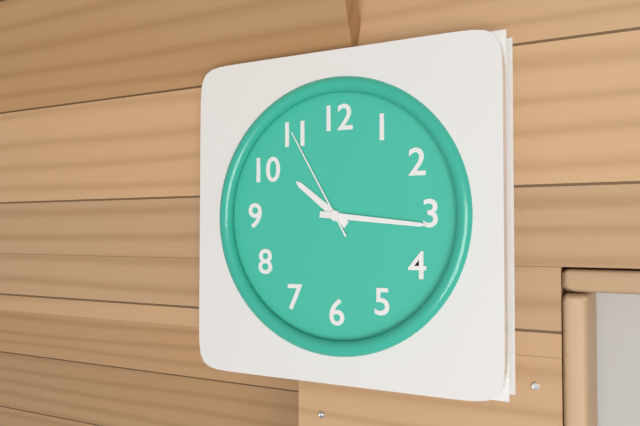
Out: 10h16m55s
